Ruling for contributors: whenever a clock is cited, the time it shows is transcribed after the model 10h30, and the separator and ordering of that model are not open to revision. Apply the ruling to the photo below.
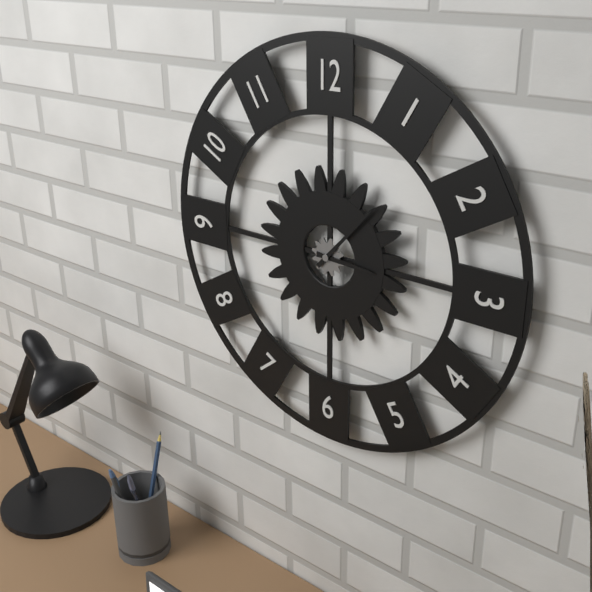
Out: 3h07
